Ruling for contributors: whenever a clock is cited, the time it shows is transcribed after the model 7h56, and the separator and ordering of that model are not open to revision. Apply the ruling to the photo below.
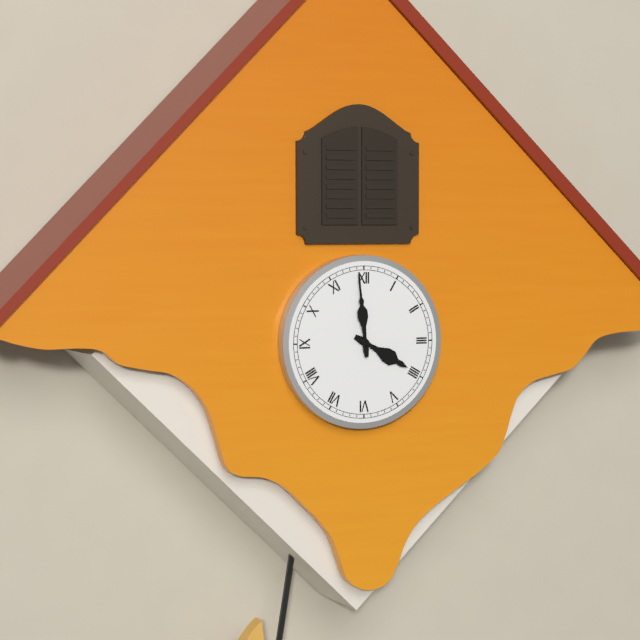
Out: 3h59
